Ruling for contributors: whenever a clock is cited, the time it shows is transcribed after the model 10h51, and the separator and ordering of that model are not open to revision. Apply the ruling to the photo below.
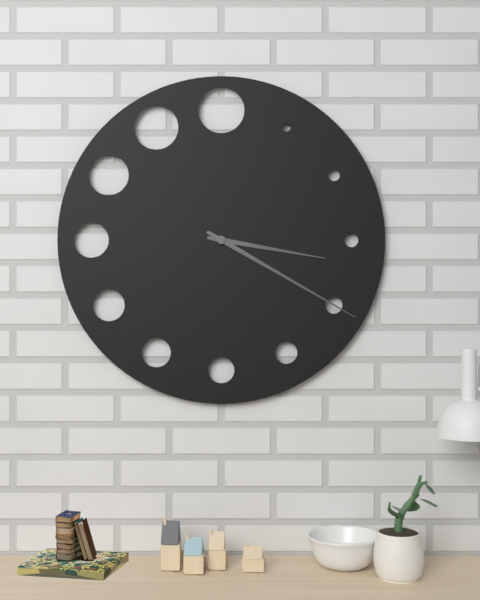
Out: 3h20
